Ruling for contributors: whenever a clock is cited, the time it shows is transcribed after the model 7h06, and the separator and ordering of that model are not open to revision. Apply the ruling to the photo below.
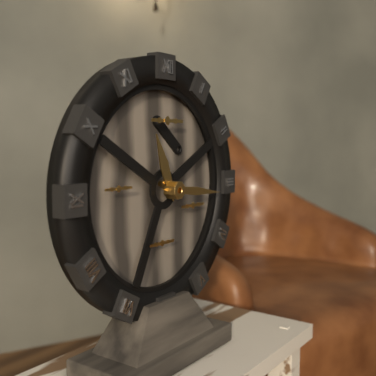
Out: 11h16
